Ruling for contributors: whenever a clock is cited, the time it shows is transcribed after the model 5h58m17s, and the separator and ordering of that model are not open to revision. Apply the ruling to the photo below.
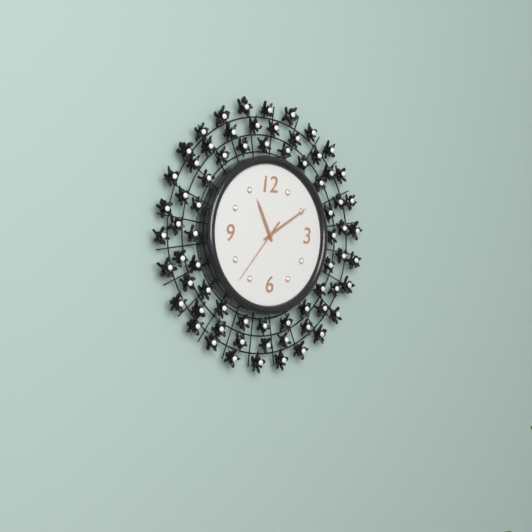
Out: 11h10m37s
